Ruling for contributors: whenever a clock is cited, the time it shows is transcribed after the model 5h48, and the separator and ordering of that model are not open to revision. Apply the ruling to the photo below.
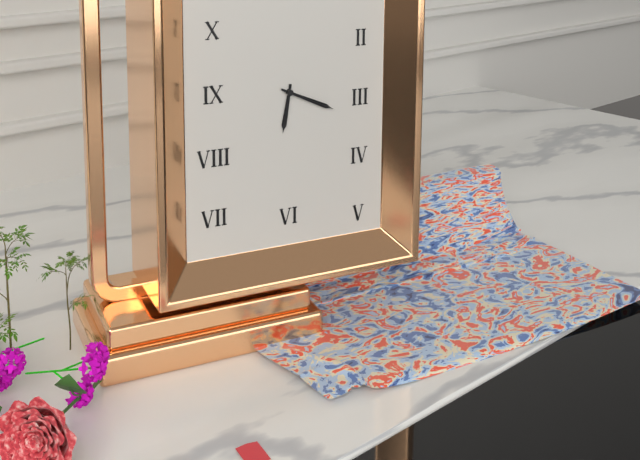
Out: 6h19
